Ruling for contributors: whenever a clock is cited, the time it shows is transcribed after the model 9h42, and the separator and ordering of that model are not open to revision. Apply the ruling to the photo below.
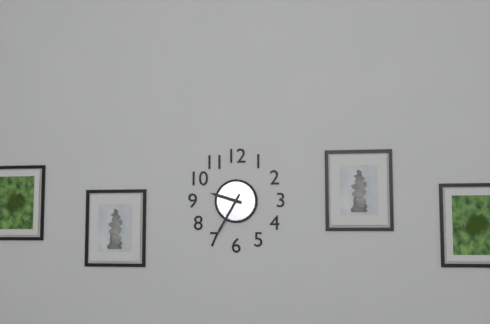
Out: 9h35
